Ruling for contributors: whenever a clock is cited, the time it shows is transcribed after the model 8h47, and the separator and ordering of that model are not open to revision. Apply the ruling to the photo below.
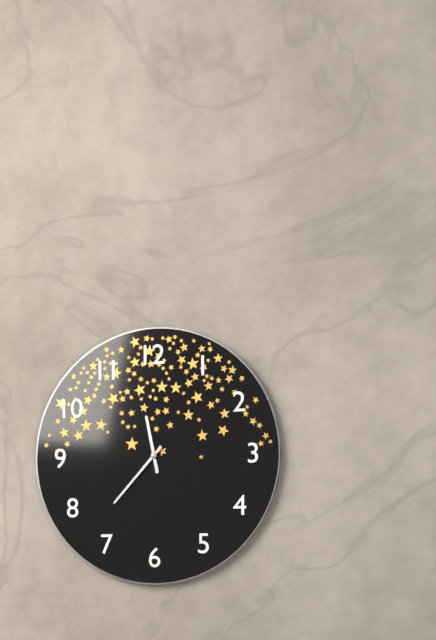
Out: 11h37
